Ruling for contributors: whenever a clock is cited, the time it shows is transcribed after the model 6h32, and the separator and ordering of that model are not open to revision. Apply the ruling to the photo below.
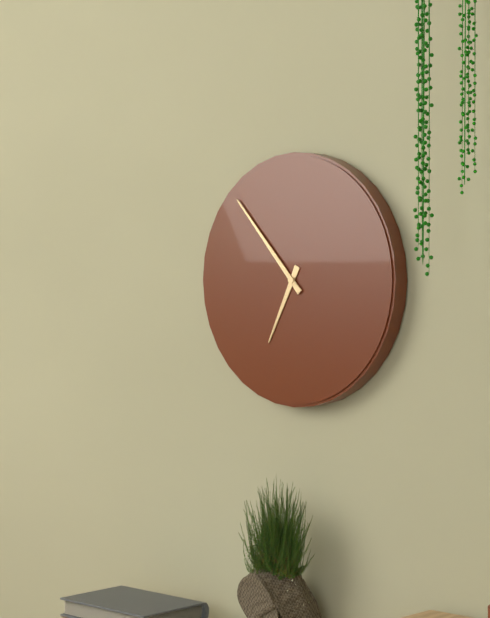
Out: 6h53
